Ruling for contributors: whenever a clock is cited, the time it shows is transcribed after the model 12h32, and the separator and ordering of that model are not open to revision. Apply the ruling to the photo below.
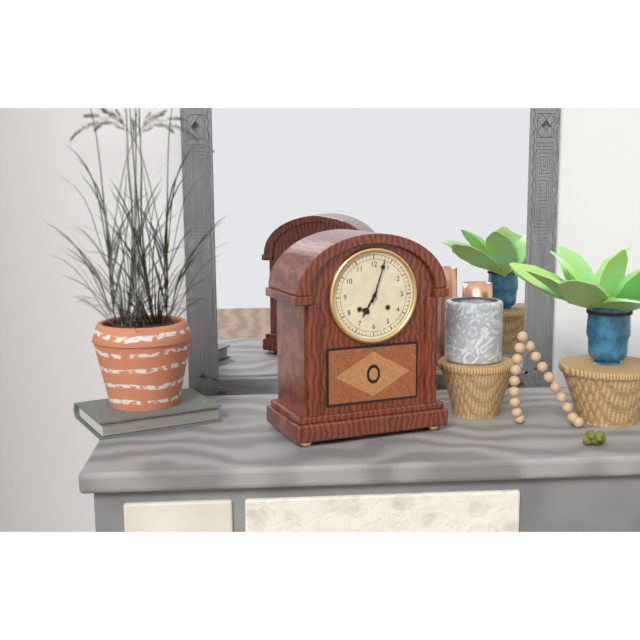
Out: 7h03
